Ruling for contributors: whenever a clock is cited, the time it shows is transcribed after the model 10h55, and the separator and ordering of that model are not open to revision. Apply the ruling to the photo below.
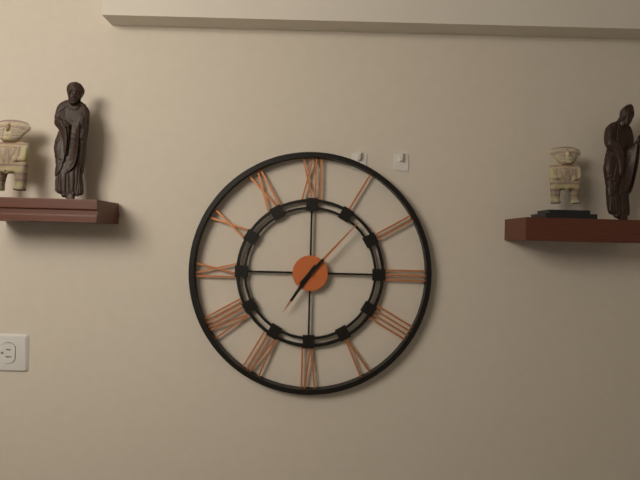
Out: 7h07
